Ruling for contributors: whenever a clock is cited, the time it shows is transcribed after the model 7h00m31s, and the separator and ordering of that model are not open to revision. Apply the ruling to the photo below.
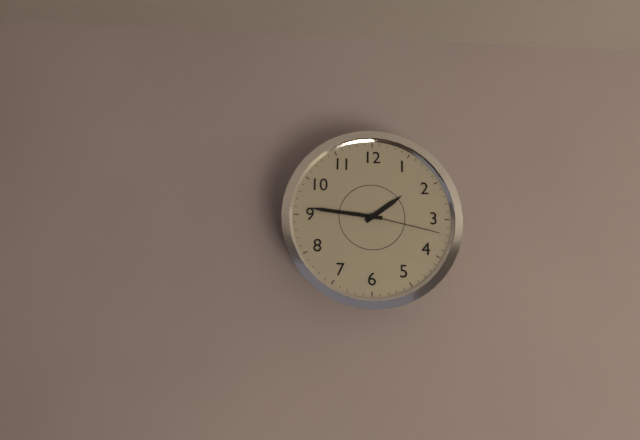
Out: 1h46m17s
